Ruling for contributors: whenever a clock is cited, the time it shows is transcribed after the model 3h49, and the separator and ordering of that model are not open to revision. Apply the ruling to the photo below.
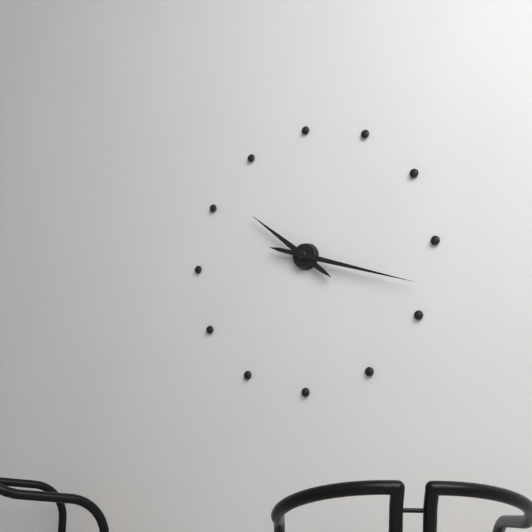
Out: 10h18
